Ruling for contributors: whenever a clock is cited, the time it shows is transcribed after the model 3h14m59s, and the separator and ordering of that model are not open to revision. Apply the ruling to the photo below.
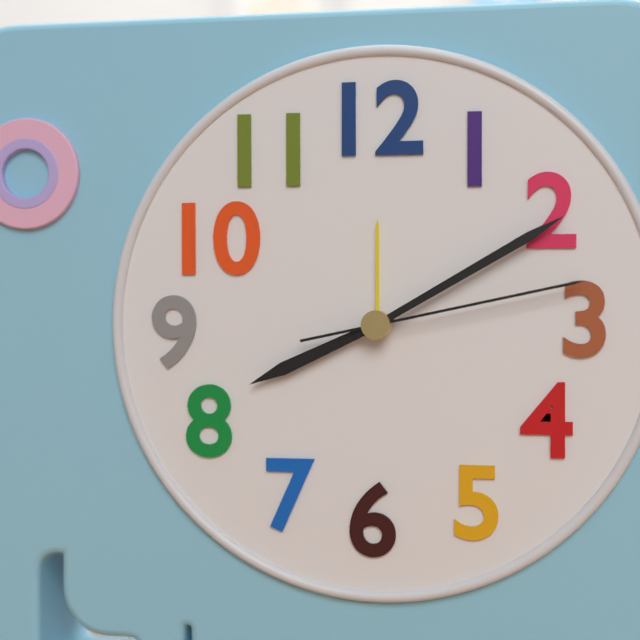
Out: 8h10m13s
